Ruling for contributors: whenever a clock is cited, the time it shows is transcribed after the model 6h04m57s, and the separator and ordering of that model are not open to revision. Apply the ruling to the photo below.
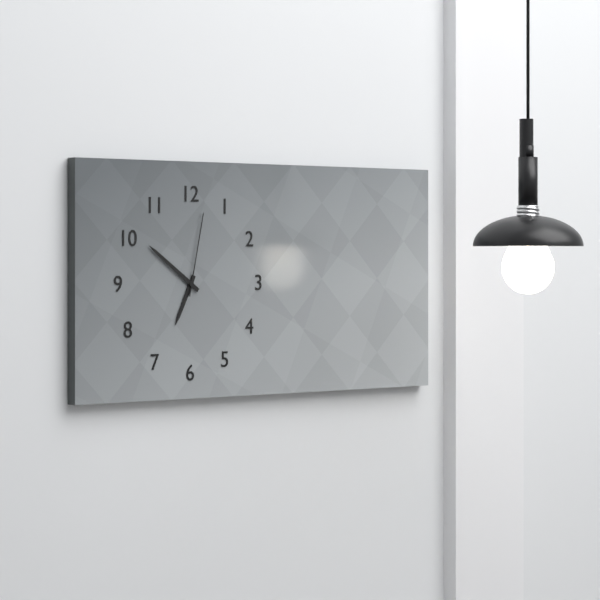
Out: 6h51m02s
